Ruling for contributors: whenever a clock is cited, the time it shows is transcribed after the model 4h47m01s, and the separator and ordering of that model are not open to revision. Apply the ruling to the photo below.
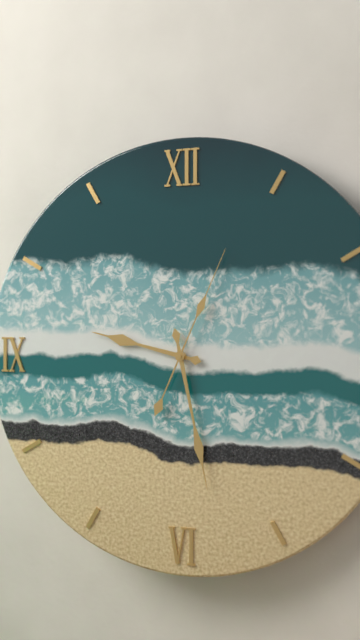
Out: 9h28m04s
